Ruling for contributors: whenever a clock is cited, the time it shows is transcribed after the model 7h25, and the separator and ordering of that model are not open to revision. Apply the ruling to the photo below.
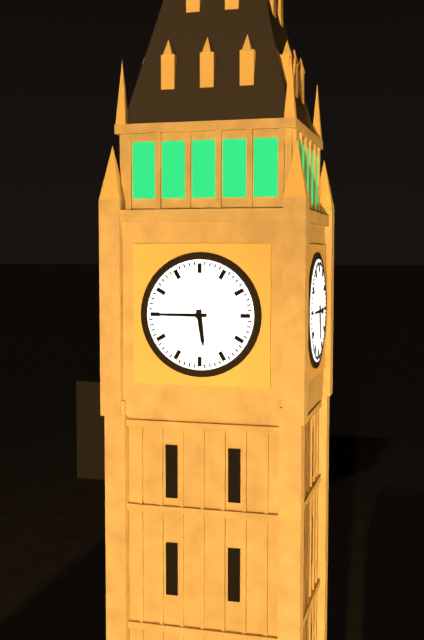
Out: 5h45
